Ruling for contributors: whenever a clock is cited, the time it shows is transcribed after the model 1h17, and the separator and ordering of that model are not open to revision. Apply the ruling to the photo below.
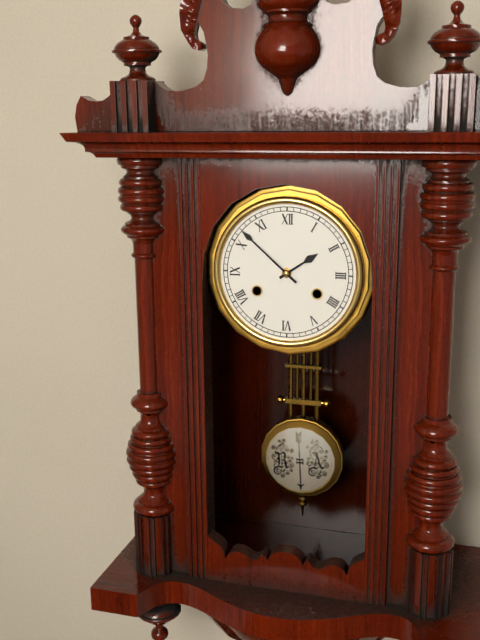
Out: 1h52
